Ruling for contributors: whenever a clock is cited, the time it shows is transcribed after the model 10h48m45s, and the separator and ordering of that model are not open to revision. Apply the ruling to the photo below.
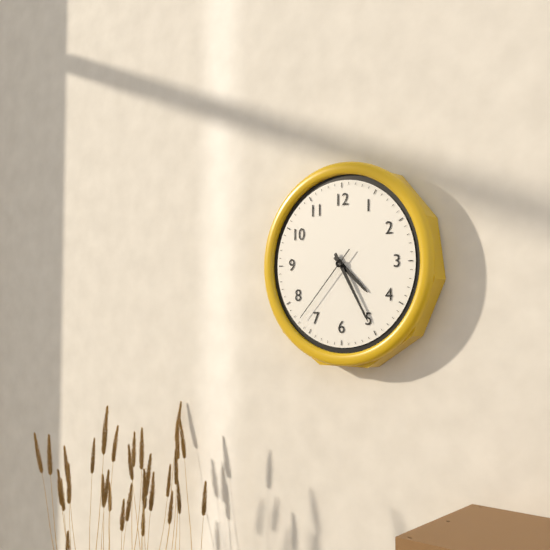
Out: 4h25m37s
